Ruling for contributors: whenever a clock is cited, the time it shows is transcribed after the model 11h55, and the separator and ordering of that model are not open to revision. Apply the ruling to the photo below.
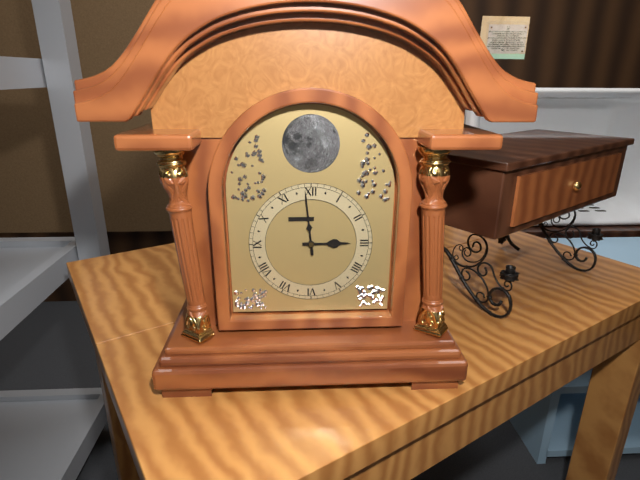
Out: 2h59
